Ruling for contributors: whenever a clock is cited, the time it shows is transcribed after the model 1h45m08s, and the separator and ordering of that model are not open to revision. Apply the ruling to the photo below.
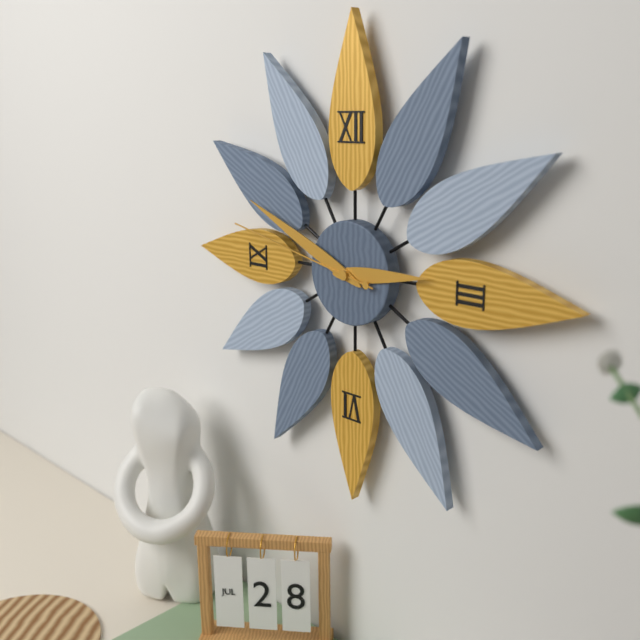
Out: 2h49m47s
